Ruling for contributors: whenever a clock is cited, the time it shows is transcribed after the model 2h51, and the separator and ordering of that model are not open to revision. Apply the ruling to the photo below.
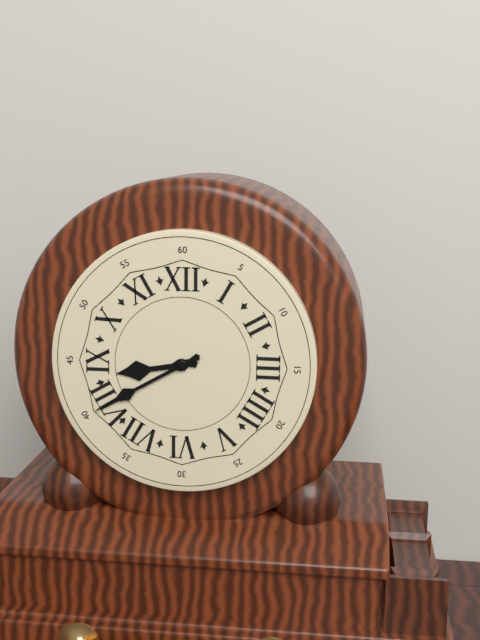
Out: 8h40
